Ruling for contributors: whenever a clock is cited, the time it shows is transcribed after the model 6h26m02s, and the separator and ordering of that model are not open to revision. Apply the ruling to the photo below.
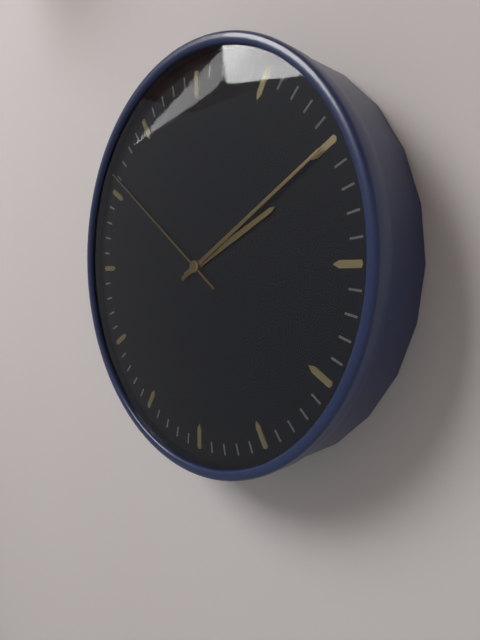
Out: 2h10m51s
